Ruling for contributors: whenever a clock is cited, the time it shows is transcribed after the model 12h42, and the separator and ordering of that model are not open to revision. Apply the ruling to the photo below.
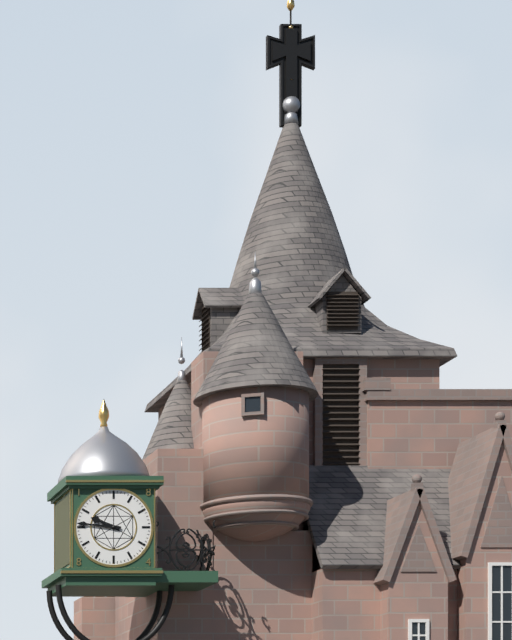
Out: 9h46
